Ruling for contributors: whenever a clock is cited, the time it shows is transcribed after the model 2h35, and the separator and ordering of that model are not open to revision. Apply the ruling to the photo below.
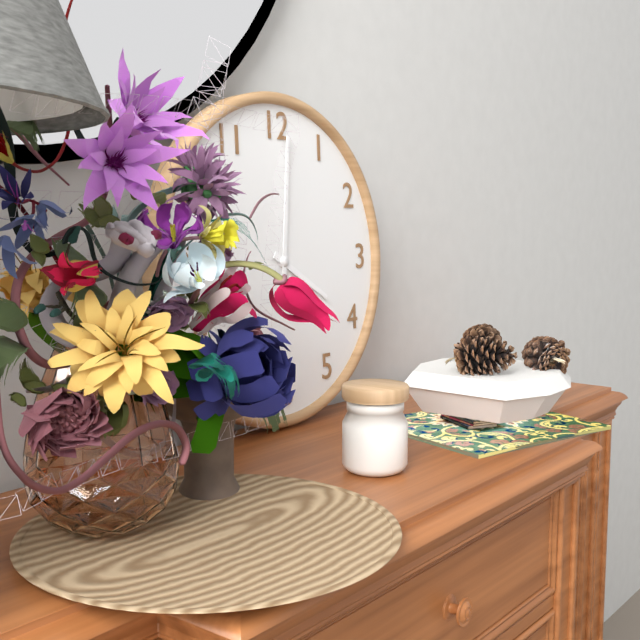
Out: 4h01
